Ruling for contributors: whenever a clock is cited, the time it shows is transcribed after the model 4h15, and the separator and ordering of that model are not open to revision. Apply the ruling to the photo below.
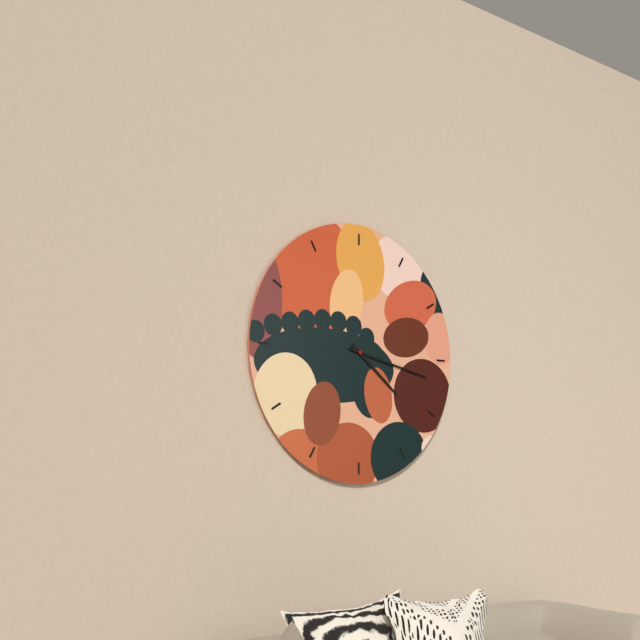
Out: 4h17
